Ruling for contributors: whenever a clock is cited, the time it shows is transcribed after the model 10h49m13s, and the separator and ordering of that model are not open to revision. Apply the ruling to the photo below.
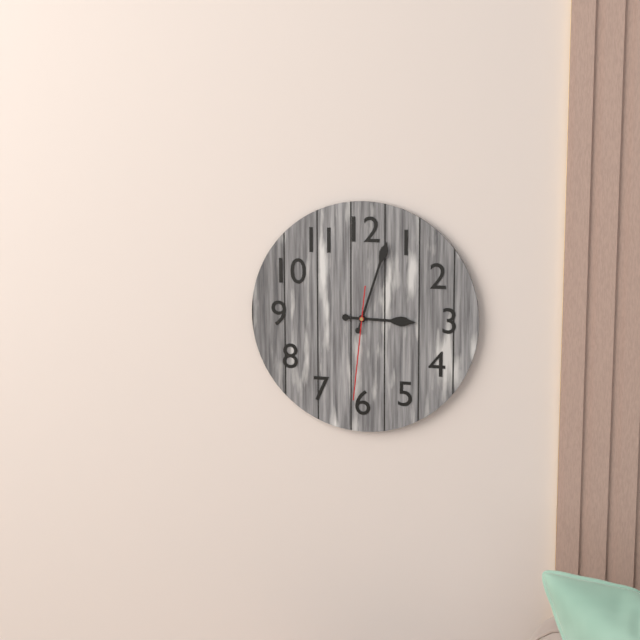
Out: 3h03m31s
